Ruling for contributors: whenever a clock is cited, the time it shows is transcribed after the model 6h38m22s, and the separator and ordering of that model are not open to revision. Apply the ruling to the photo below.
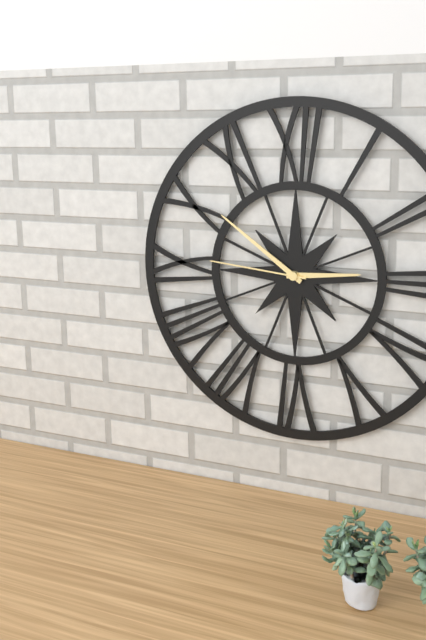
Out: 2h51m46s
